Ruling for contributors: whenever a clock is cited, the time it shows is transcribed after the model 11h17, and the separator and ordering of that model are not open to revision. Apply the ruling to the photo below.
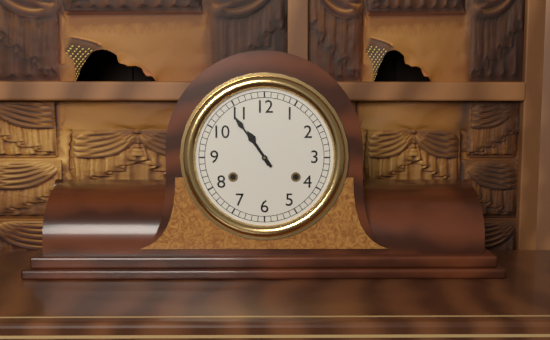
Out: 10h54
